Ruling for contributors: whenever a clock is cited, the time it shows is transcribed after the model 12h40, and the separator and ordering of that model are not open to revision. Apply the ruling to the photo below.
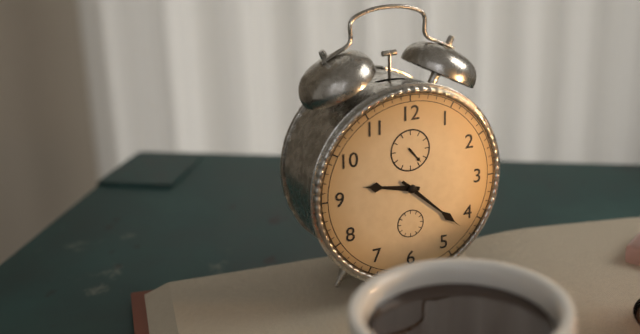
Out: 9h22
